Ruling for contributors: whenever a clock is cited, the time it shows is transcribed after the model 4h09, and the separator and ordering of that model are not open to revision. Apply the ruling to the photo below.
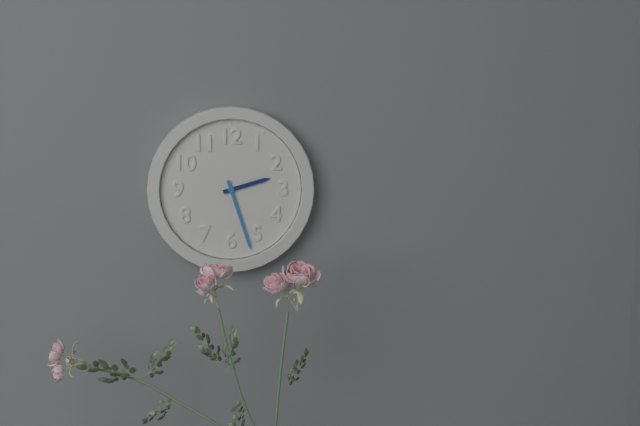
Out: 2h27
